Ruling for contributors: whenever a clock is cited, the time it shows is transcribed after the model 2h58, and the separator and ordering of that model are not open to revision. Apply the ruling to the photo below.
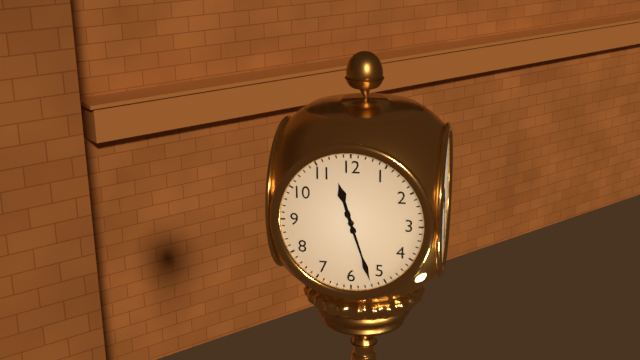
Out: 11h27
